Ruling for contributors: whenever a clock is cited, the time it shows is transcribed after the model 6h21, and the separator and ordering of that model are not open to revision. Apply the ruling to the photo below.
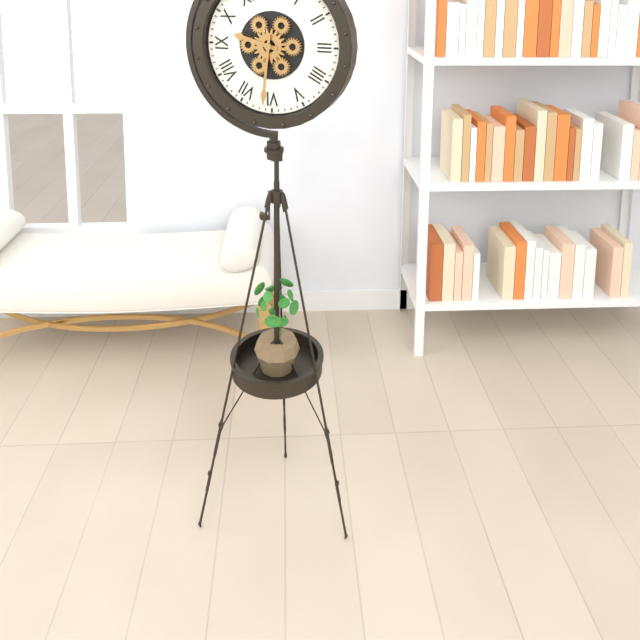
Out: 9h31
